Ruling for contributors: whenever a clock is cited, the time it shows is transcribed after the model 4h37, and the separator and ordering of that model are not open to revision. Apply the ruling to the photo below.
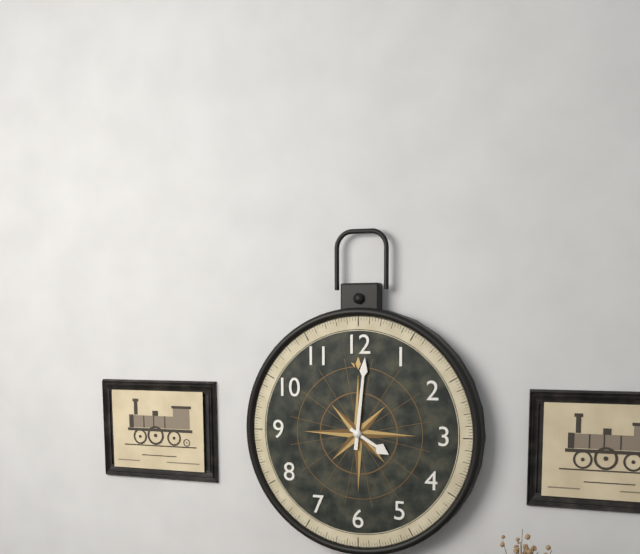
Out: 4h01
